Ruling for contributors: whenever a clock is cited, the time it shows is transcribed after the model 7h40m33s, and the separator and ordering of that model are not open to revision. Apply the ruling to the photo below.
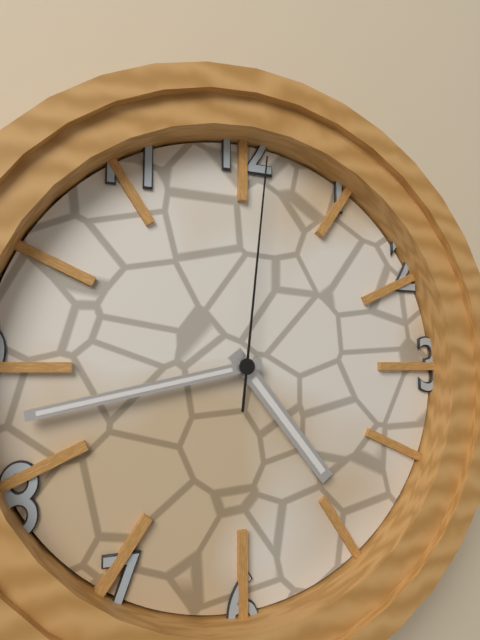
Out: 4h43m01s
